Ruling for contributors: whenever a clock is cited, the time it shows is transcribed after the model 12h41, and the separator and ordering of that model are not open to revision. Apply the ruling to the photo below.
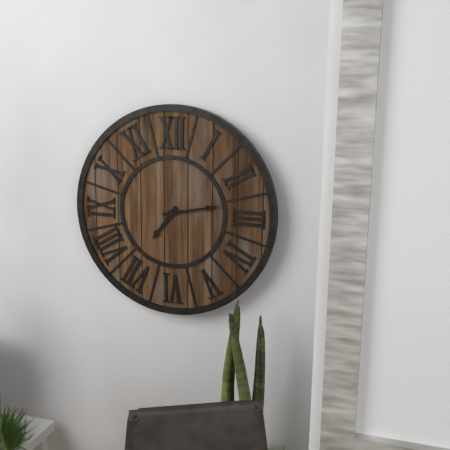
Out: 7h13
